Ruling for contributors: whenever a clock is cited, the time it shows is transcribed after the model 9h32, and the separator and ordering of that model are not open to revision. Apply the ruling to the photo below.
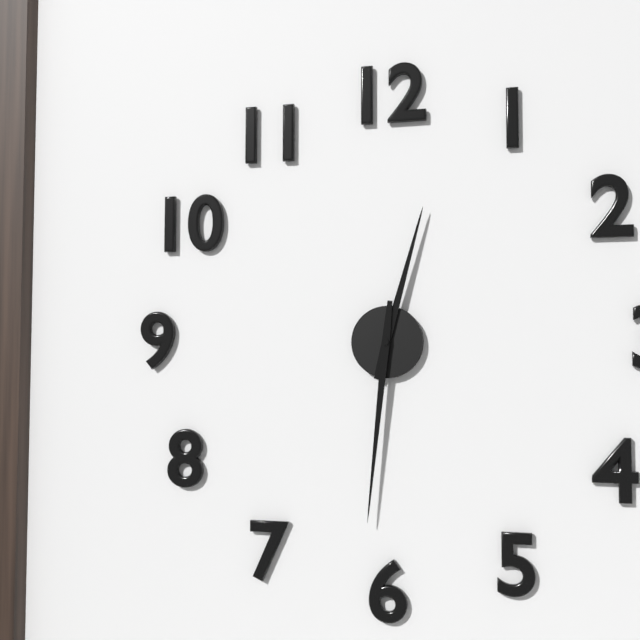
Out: 12h31
